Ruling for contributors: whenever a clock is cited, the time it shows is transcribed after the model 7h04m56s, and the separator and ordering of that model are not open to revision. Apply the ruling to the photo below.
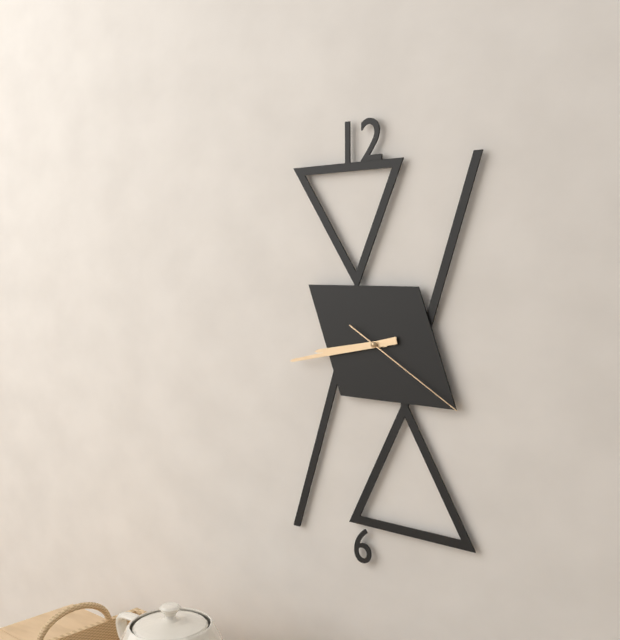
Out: 8h43m20s
